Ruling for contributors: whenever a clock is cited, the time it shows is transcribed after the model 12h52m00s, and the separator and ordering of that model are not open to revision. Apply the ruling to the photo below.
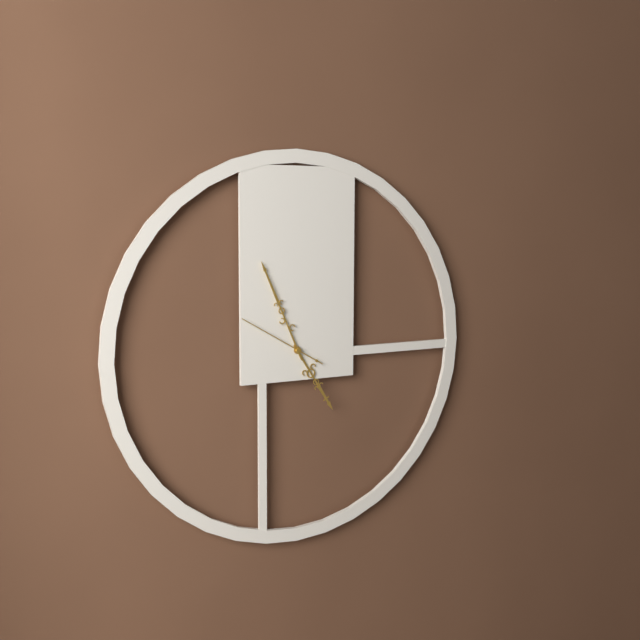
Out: 4h56m50s
